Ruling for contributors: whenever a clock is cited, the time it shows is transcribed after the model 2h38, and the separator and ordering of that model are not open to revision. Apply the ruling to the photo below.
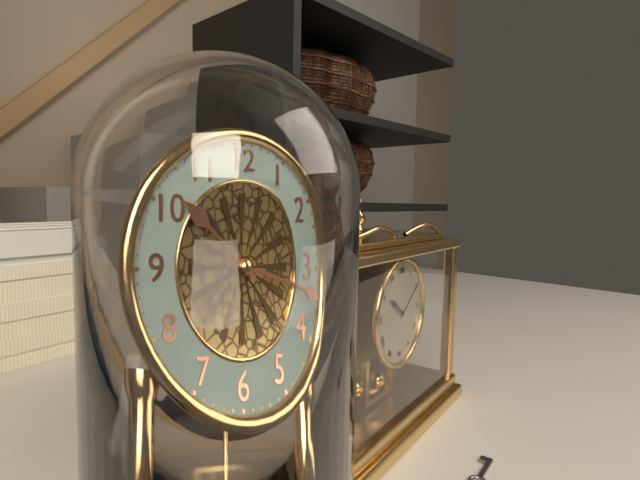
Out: 10h17
